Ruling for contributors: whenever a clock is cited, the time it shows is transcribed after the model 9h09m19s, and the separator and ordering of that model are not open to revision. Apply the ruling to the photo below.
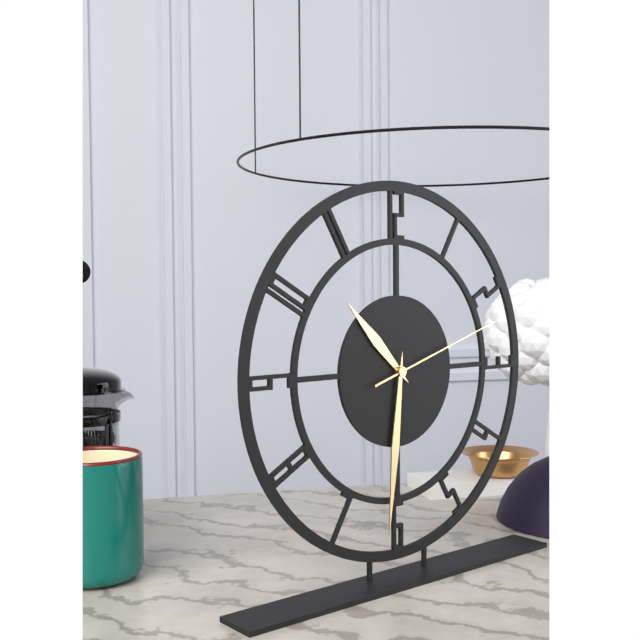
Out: 10h31m12s
